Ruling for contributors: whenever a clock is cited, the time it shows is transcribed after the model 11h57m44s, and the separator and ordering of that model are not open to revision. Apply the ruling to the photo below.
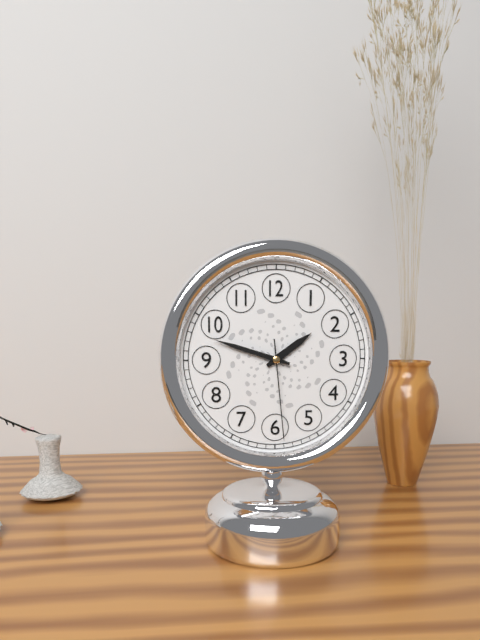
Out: 1h48m29s
